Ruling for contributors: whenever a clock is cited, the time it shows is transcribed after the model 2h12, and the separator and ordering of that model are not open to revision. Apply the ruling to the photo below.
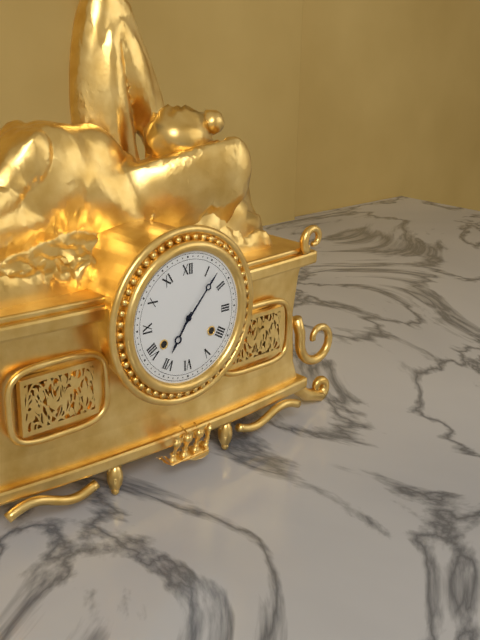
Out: 7h07
